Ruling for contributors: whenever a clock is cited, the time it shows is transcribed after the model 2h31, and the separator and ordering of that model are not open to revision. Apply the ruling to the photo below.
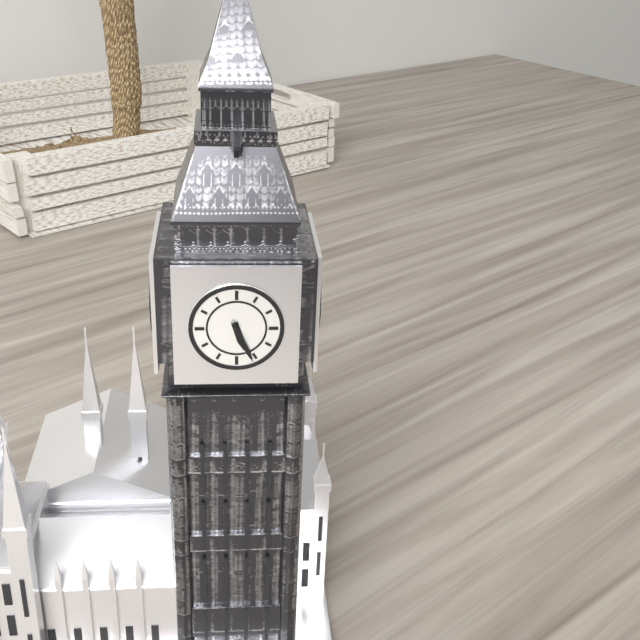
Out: 5h26
